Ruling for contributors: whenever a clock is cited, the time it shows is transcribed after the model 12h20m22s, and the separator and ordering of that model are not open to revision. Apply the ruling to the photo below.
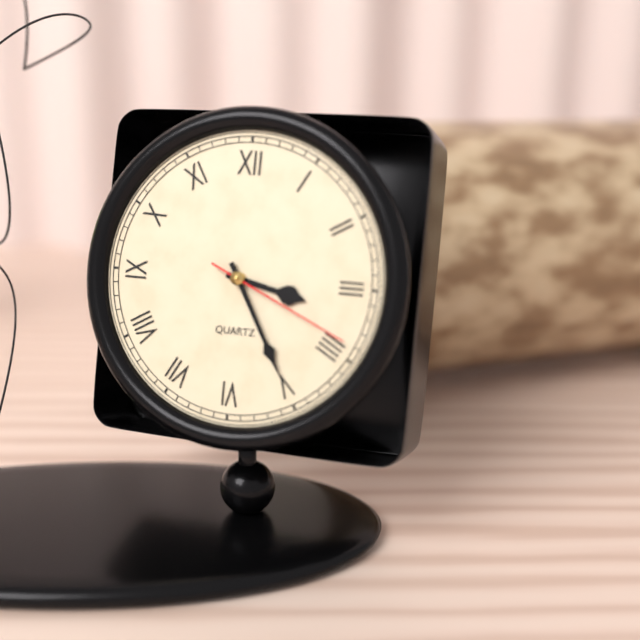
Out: 3h25m19s
